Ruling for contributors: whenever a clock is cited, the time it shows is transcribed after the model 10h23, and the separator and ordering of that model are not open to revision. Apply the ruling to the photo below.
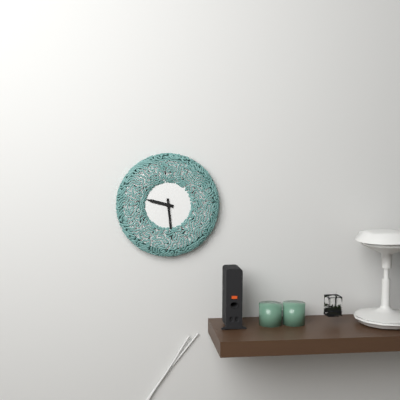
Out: 9h29
